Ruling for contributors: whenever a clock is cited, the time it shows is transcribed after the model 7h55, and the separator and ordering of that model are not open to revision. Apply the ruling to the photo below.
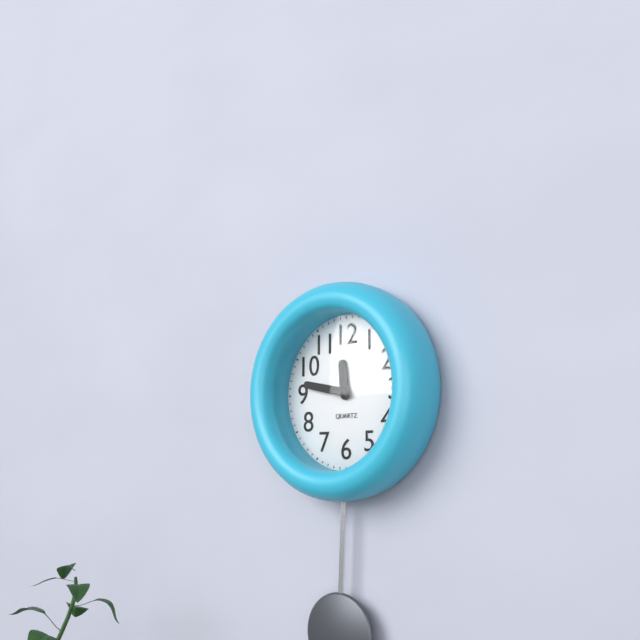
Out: 11h47
